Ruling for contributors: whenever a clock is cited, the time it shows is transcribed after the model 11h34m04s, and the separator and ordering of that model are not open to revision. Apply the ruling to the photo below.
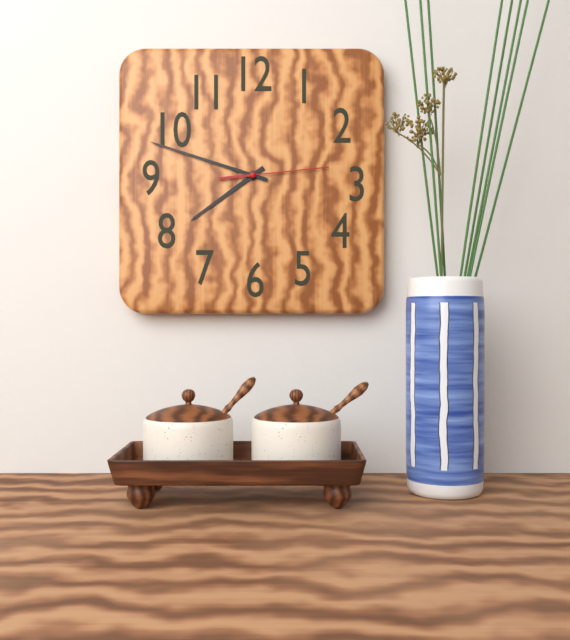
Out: 7h48m14s
